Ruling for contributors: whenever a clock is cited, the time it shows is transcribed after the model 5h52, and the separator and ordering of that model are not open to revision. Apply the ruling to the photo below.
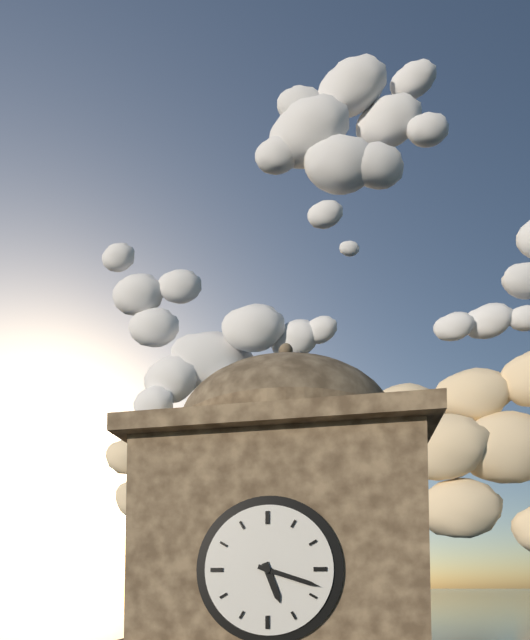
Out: 5h18
